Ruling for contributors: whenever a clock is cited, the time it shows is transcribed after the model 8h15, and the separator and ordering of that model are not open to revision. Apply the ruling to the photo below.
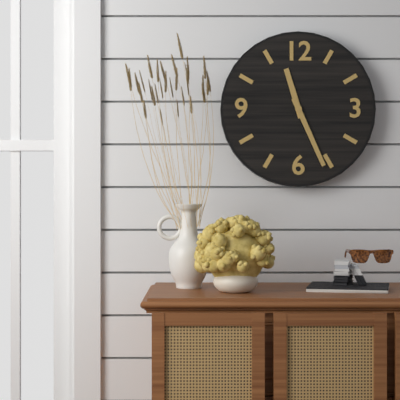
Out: 11h26
